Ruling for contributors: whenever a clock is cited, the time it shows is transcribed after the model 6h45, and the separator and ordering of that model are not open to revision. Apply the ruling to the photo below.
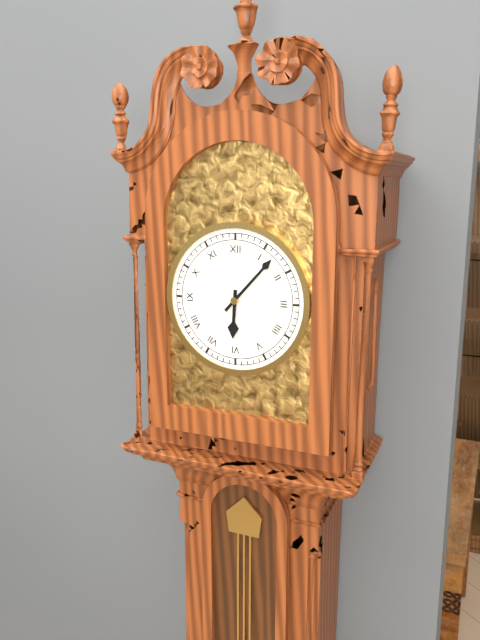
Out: 6h07
